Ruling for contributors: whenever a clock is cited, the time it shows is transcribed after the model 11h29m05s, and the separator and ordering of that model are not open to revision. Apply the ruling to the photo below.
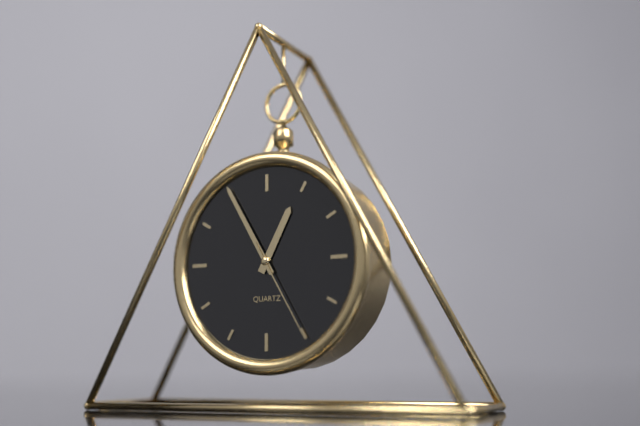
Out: 12h55m25s
